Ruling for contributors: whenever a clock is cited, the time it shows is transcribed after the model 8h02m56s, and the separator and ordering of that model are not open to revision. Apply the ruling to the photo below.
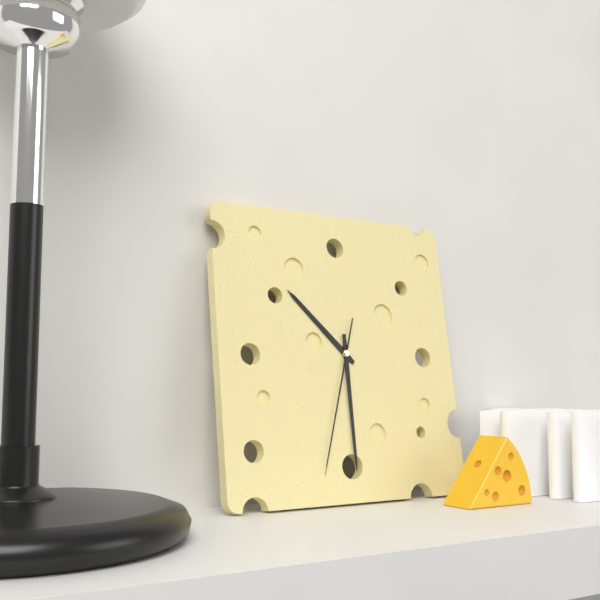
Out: 10h30m33s
